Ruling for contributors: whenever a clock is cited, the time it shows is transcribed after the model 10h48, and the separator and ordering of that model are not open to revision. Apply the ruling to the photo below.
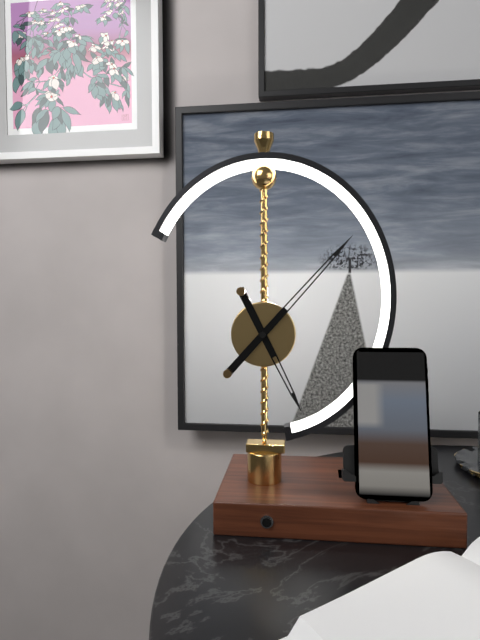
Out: 5h07
